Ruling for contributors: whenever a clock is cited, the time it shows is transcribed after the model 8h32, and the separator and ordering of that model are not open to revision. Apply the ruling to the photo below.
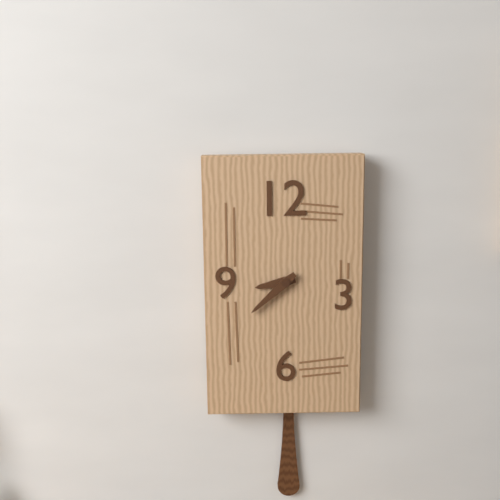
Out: 8h38
